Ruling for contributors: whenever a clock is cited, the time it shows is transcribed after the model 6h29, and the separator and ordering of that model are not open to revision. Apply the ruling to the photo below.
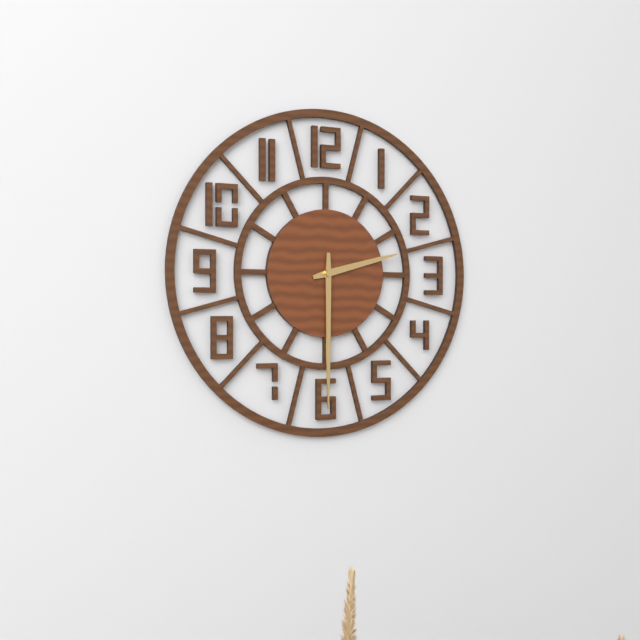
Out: 2h30
